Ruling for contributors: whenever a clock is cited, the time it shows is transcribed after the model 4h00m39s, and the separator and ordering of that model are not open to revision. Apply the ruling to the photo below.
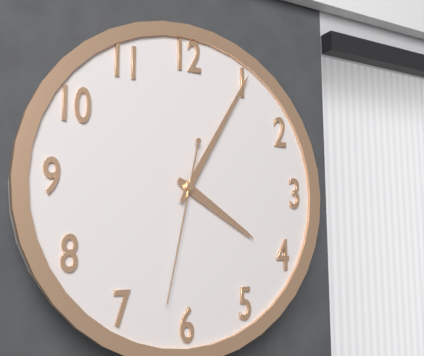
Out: 4h05m32s
